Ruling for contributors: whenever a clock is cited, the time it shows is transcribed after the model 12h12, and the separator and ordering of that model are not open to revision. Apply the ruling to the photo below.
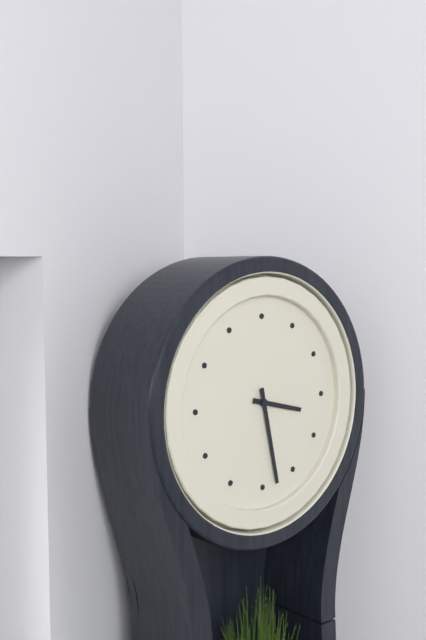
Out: 3h28
